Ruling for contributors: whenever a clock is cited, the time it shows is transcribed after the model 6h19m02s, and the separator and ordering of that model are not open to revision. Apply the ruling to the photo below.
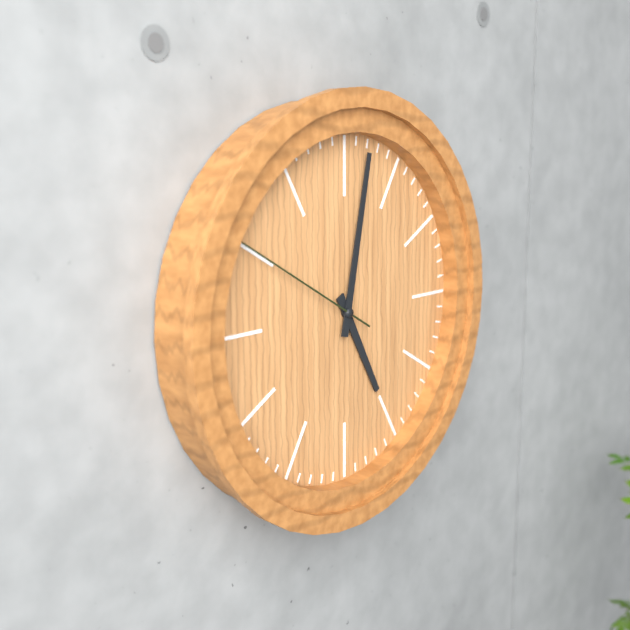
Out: 5h02m50s
